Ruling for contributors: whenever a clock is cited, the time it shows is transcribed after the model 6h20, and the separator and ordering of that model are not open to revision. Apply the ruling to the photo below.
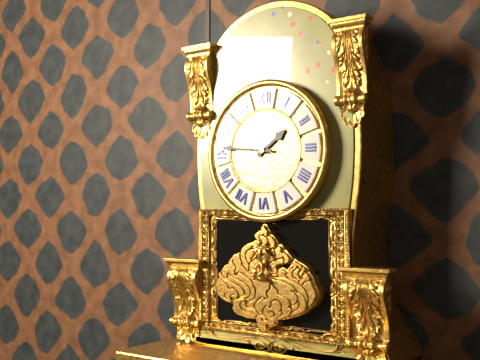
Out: 1h46
